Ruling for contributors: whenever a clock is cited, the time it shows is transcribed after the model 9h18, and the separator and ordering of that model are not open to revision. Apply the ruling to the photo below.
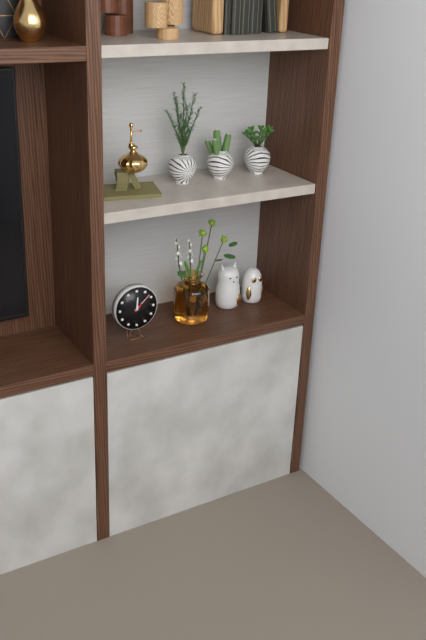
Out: 12h08
